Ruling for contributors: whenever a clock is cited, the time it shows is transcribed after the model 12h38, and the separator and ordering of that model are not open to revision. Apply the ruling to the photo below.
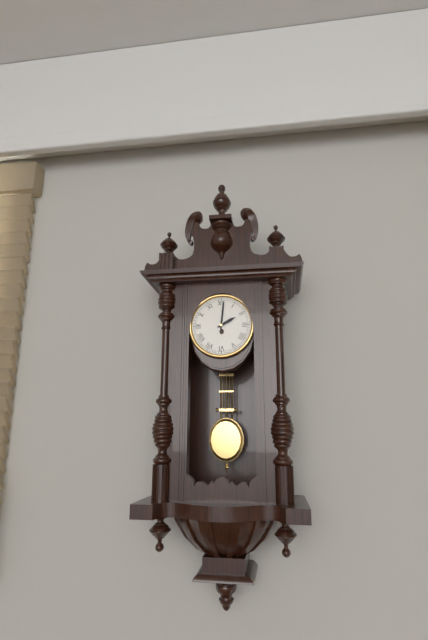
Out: 2h01
